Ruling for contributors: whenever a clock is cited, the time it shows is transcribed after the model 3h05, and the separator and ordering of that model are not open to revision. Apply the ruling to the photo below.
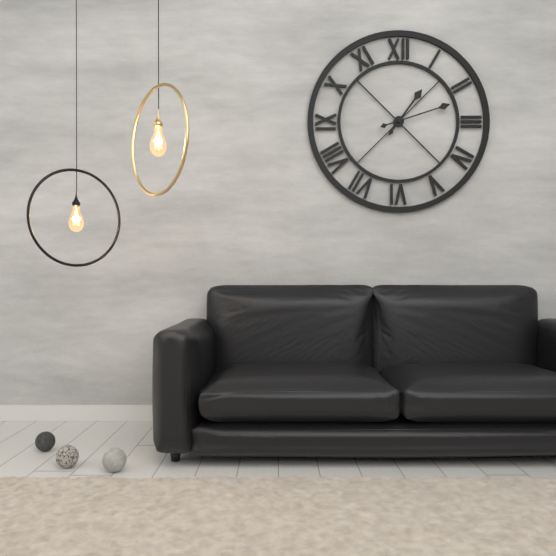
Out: 1h12
